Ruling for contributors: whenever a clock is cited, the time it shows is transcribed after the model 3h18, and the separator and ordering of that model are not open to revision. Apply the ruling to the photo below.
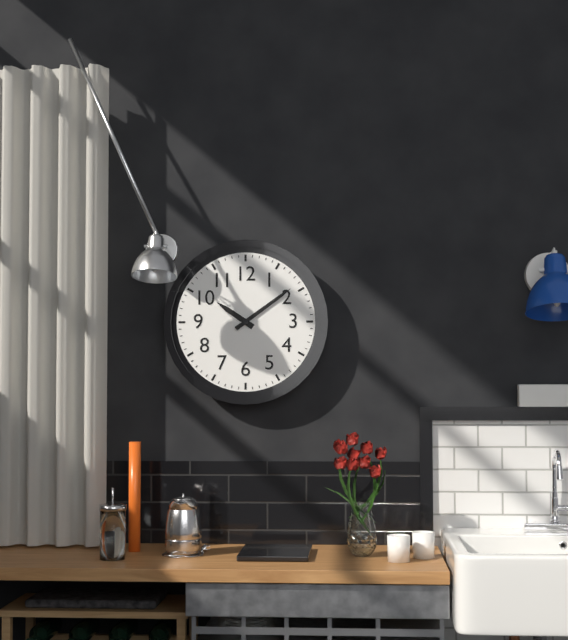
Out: 10h09
